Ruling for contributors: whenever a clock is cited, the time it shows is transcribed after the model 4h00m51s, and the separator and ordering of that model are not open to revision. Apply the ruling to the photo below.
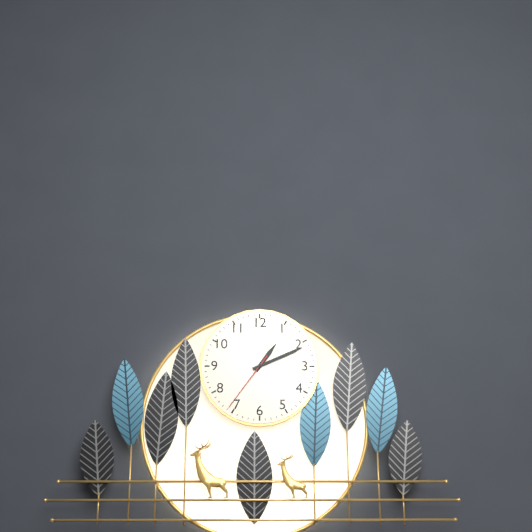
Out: 1h11m36s
